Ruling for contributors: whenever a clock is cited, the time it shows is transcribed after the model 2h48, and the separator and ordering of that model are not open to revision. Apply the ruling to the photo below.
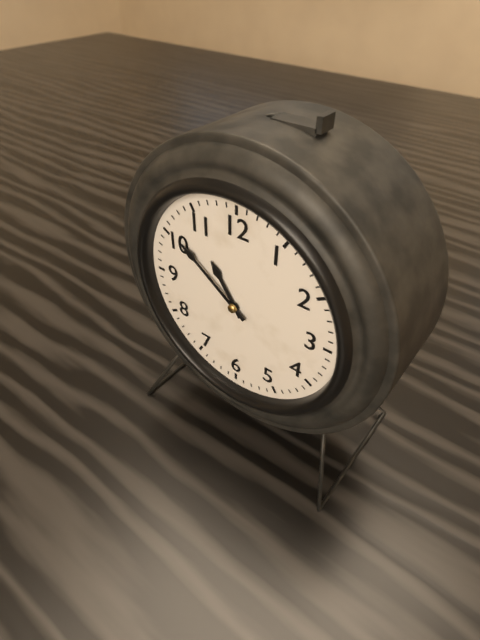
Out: 10h51
